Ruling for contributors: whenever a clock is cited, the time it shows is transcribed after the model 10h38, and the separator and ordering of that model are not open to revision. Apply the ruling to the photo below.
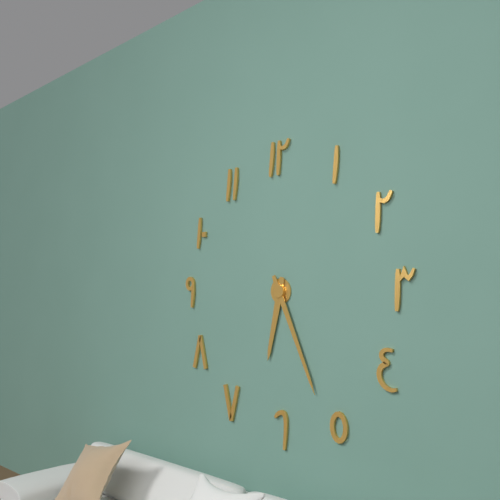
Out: 6h26
